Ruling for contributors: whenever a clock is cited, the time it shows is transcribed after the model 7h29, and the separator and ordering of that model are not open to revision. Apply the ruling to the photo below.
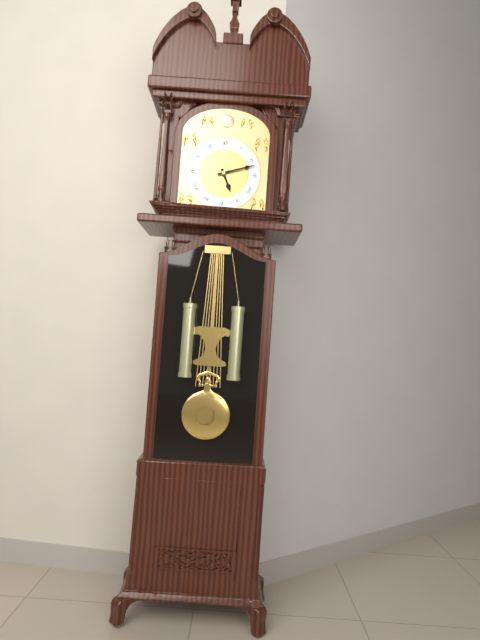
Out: 5h12
